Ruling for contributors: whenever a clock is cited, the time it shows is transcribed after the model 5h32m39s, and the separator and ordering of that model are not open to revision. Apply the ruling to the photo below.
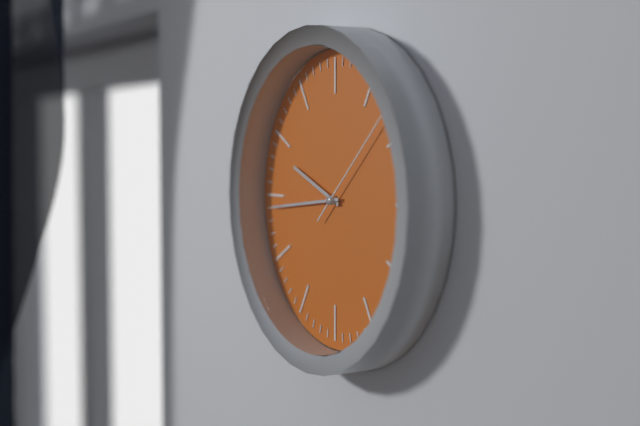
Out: 9h44m08s
